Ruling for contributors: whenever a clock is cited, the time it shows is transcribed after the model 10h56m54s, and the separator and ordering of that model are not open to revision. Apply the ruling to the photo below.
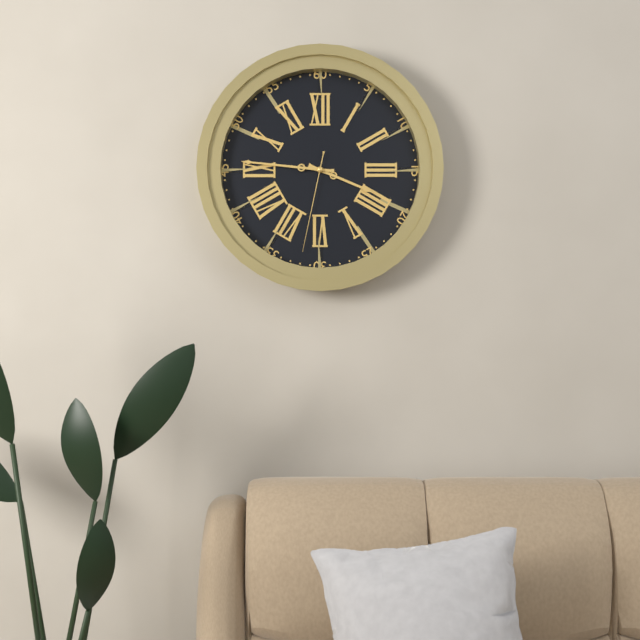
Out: 3h46m32s
